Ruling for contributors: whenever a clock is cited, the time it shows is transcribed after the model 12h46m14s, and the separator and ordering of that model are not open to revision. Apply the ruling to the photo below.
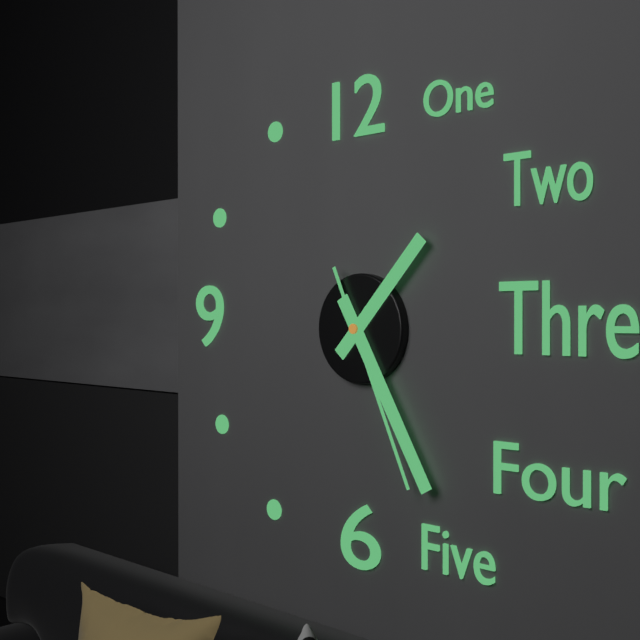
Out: 1h25m26s
